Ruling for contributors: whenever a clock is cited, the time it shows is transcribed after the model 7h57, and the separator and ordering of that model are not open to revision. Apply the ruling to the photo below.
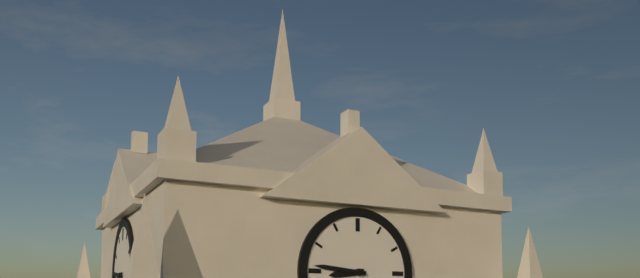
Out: 8h46
